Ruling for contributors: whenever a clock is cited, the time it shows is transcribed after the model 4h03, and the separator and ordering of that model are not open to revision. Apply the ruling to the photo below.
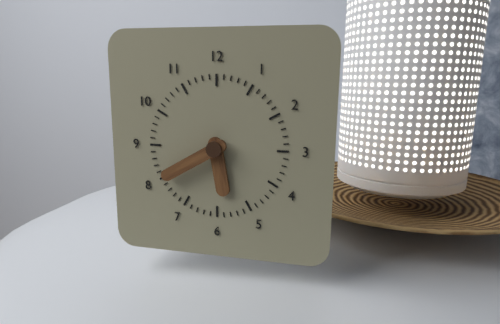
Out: 5h40
